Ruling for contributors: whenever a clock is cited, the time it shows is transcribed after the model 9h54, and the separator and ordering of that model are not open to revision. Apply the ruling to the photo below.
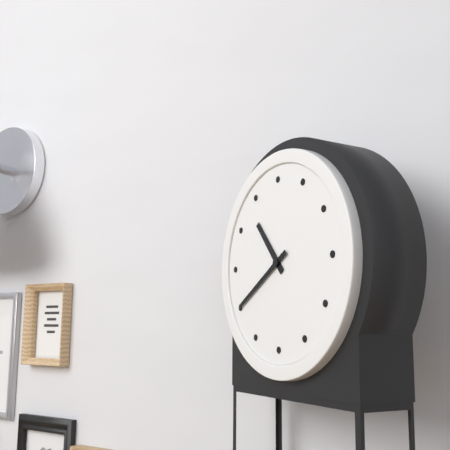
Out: 10h40
